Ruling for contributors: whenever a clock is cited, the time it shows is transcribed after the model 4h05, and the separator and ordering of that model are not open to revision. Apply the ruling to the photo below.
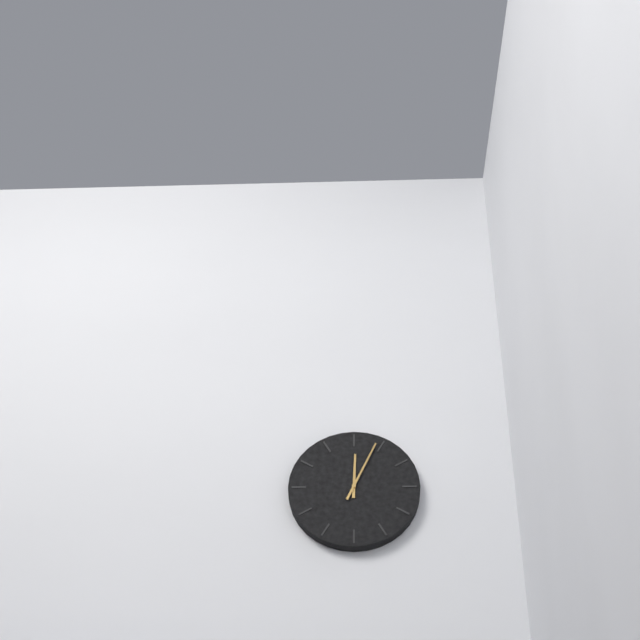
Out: 12h04
